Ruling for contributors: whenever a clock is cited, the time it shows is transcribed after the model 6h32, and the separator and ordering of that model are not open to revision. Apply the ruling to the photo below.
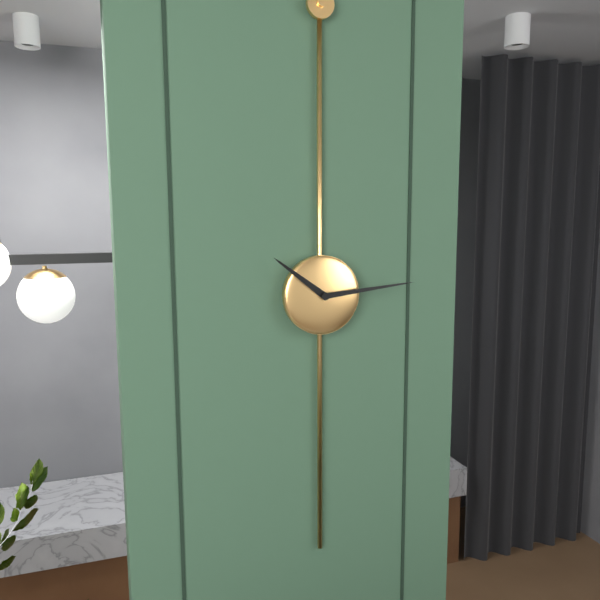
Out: 10h14
